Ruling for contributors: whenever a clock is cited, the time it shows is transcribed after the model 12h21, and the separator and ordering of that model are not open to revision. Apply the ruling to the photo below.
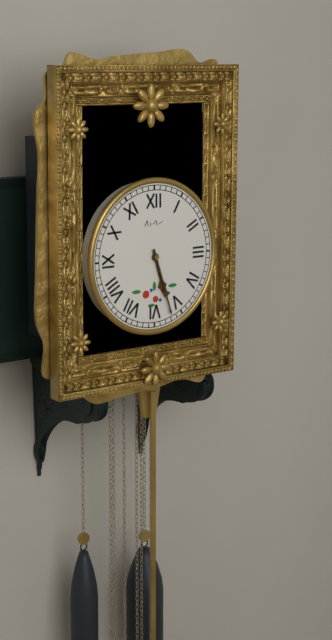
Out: 5h27
